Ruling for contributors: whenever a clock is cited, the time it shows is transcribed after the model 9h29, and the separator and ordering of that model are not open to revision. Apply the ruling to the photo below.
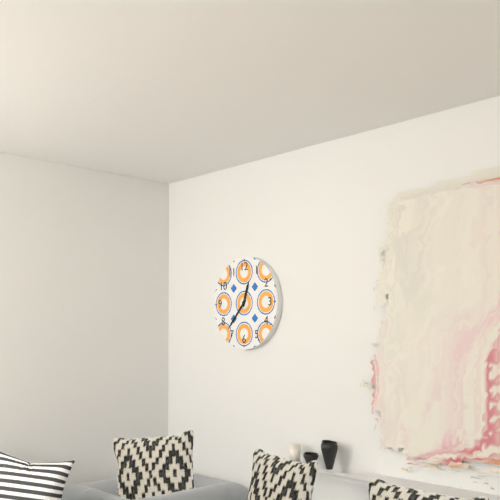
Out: 12h37
